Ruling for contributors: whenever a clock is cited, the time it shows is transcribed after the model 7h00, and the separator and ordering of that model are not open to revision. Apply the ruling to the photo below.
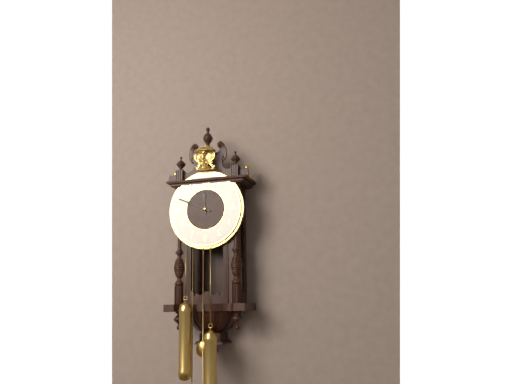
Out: 11h49
